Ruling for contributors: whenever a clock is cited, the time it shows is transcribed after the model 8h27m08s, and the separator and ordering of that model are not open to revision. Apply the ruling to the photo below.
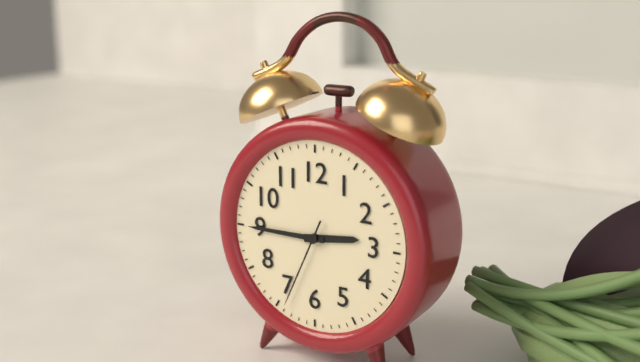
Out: 2h45m34s
